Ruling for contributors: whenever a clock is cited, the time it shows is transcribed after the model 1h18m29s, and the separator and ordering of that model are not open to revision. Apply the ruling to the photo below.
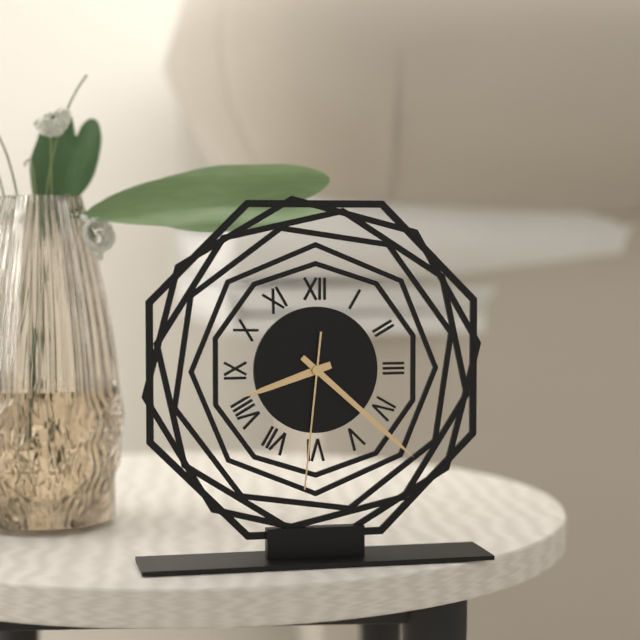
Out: 8h22m31s
